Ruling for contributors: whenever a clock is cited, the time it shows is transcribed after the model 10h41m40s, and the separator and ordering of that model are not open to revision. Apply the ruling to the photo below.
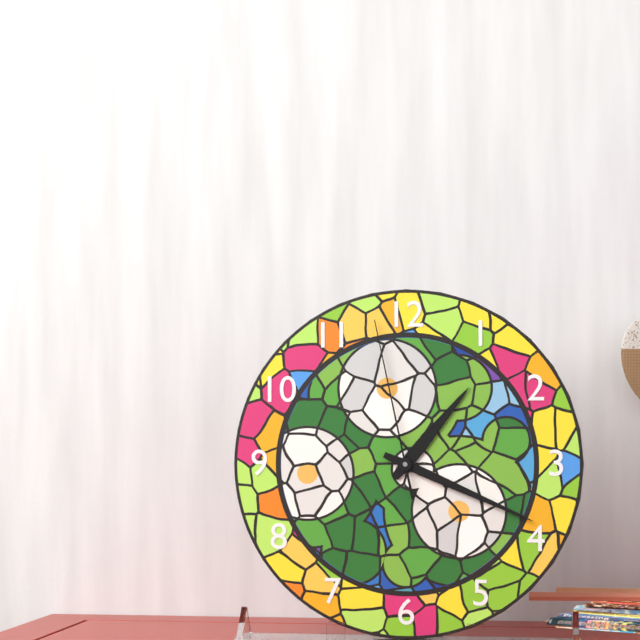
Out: 1h19m58s
